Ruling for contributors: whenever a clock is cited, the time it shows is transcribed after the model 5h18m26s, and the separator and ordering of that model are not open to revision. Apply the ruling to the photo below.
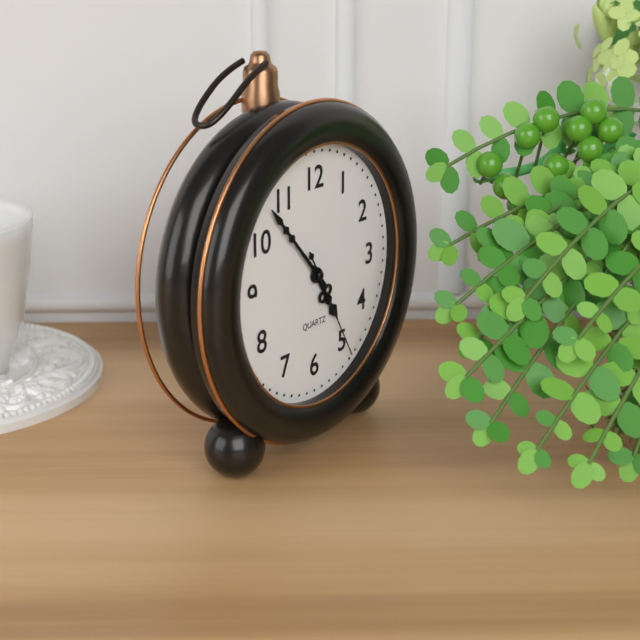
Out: 4h53m25s
